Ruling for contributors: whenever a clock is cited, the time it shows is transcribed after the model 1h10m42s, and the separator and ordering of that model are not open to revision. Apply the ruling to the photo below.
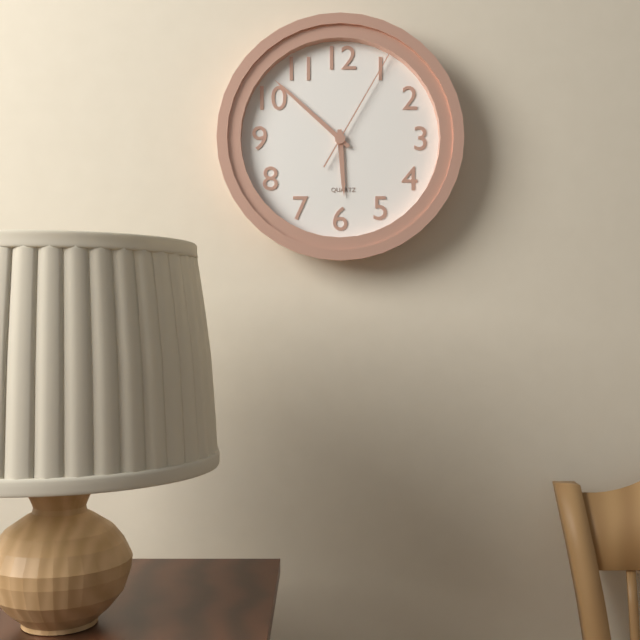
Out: 5h52m05s
